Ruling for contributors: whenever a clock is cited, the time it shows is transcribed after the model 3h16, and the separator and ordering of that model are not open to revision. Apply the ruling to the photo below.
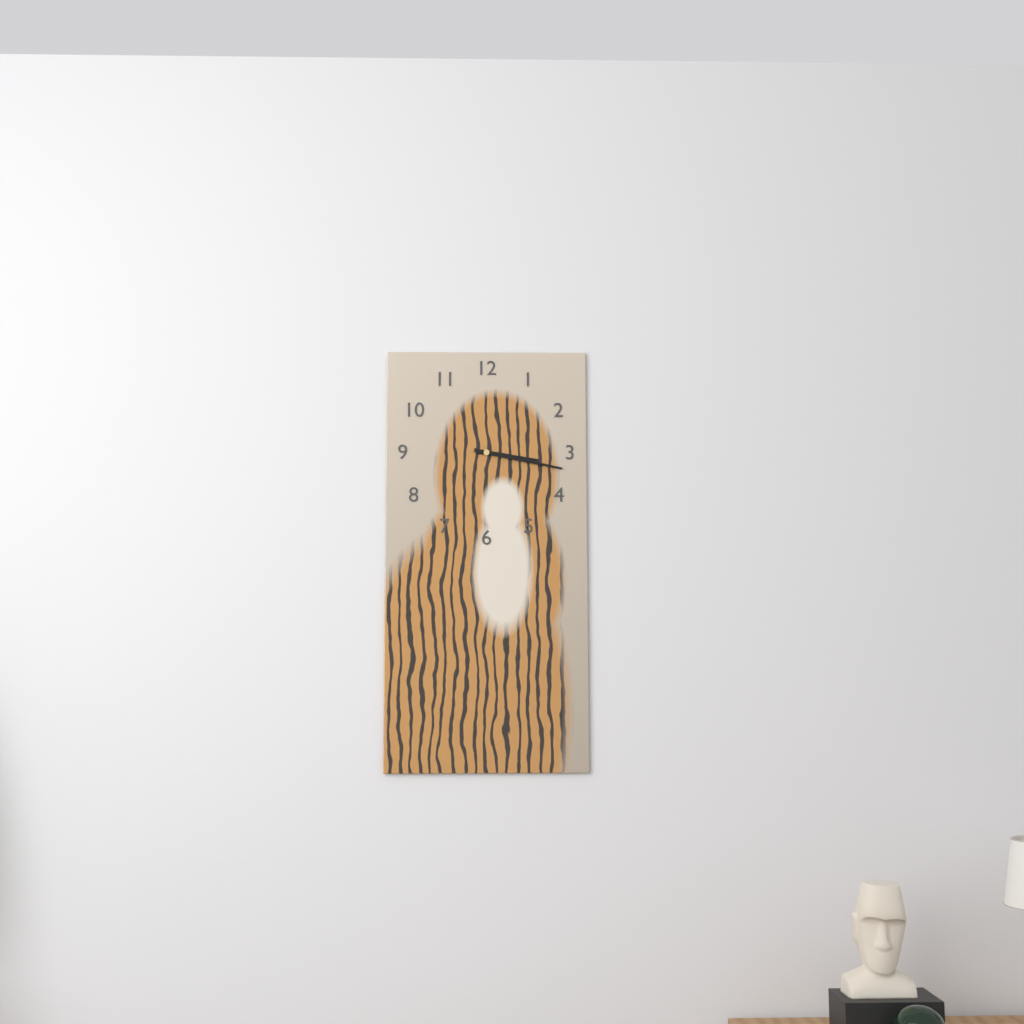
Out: 3h17
